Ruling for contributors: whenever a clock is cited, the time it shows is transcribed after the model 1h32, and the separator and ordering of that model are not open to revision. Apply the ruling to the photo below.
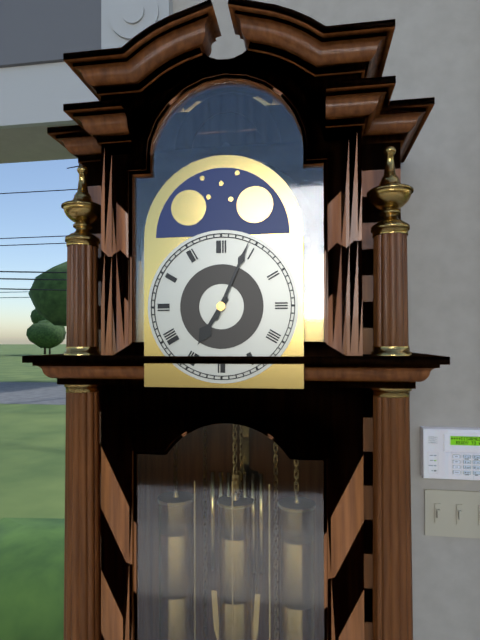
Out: 7h04
